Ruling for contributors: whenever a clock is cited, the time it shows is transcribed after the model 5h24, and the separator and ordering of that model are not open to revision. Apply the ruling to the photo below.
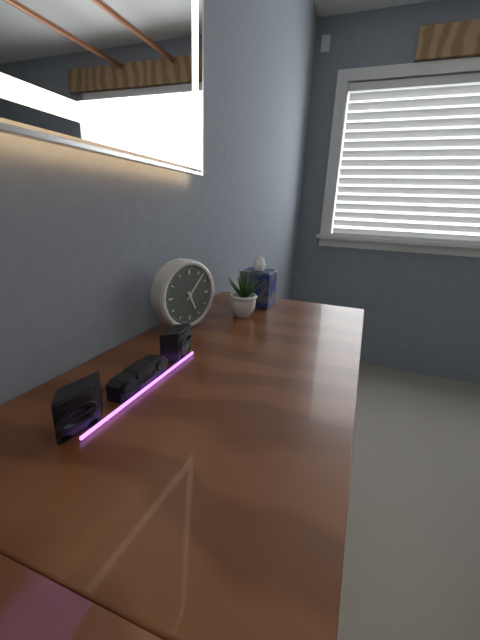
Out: 5h07
